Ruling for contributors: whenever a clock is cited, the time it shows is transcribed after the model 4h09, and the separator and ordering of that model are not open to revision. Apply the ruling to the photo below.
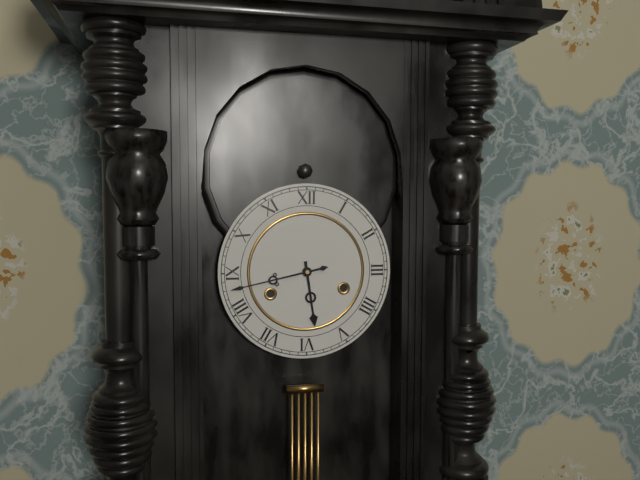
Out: 5h43
